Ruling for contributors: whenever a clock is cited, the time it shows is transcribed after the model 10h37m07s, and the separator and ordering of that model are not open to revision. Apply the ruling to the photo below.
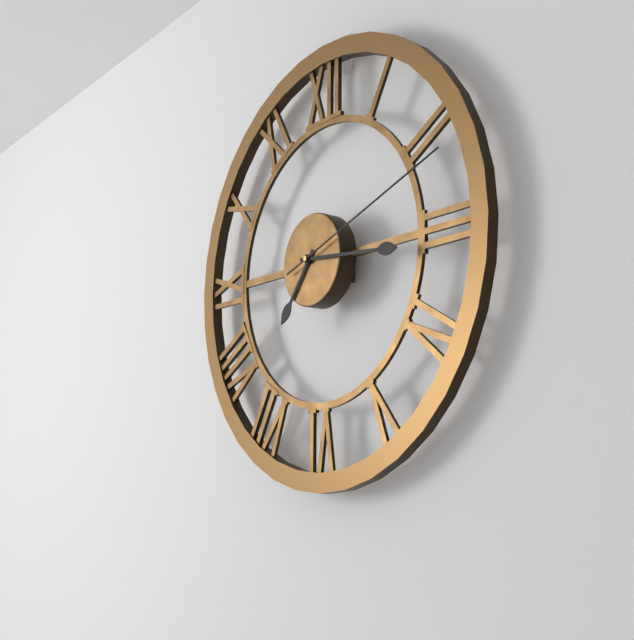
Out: 7h16m12s
